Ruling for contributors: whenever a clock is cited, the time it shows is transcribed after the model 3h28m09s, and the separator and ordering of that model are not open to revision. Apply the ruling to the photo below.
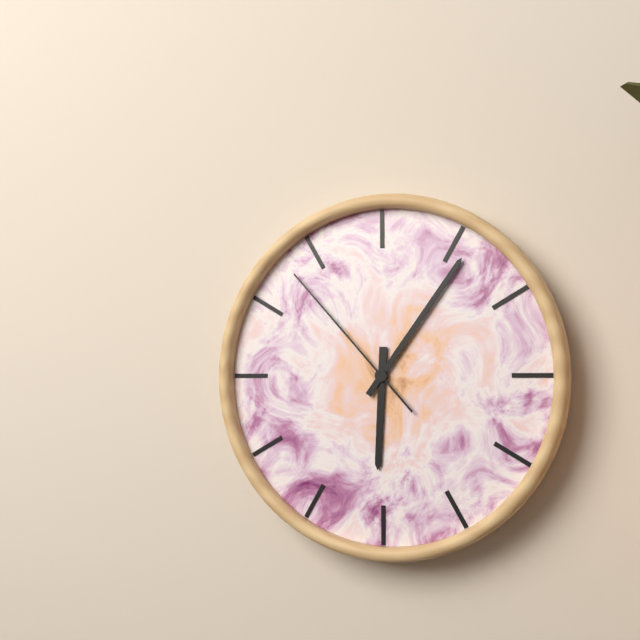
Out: 6h06m53s
